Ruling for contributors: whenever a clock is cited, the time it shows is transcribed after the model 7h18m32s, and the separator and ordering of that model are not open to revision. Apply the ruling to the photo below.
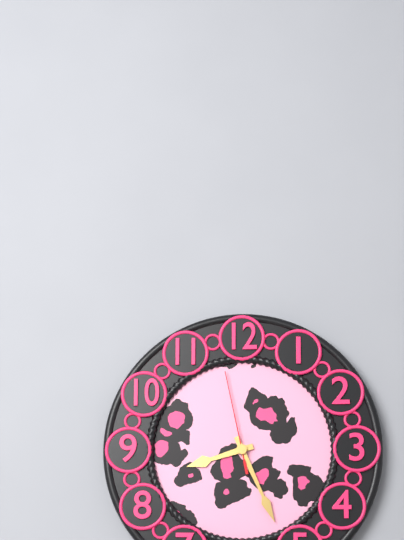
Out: 8h26m58s
